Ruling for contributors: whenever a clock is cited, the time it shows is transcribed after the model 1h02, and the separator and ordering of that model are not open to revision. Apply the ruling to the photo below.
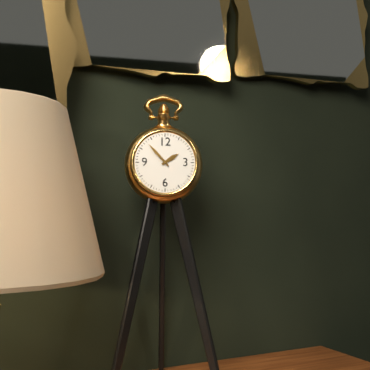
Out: 1h53
